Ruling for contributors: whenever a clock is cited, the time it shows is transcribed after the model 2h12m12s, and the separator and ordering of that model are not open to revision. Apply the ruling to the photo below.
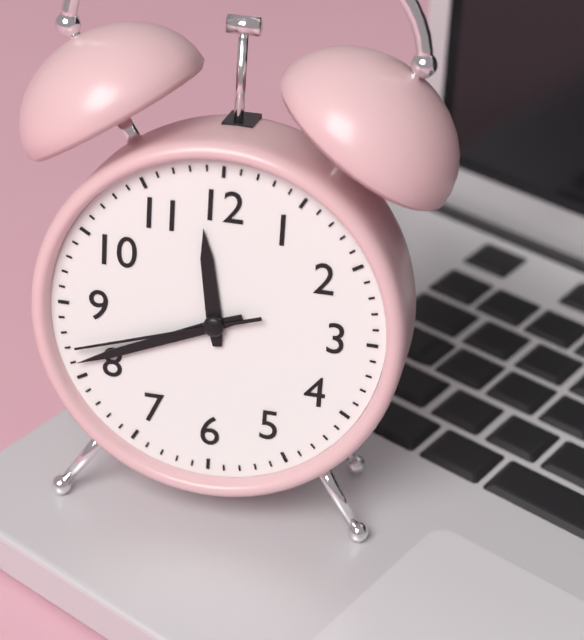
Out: 11h41m42s
